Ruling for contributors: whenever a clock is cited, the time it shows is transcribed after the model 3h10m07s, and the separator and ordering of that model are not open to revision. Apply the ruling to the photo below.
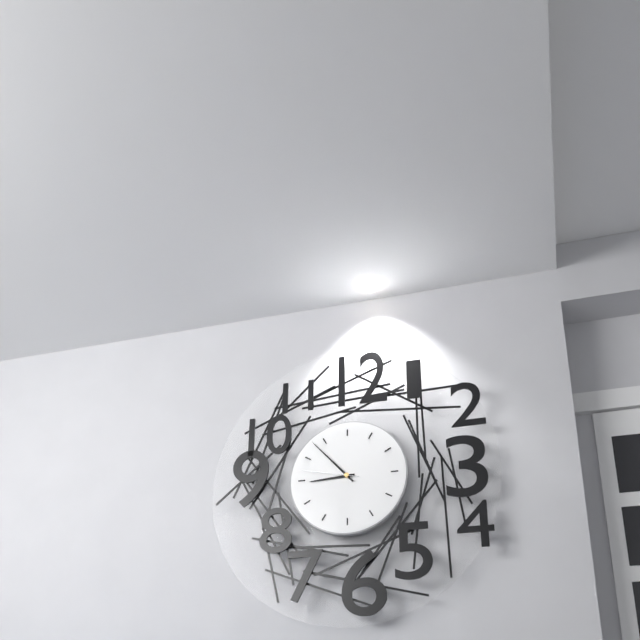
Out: 8h53m47s
